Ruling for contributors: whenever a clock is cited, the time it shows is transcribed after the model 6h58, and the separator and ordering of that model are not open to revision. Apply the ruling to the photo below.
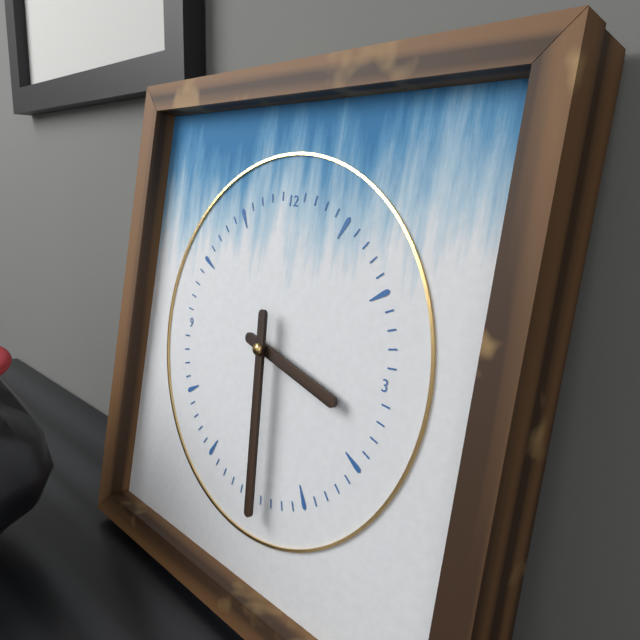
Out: 3h29
